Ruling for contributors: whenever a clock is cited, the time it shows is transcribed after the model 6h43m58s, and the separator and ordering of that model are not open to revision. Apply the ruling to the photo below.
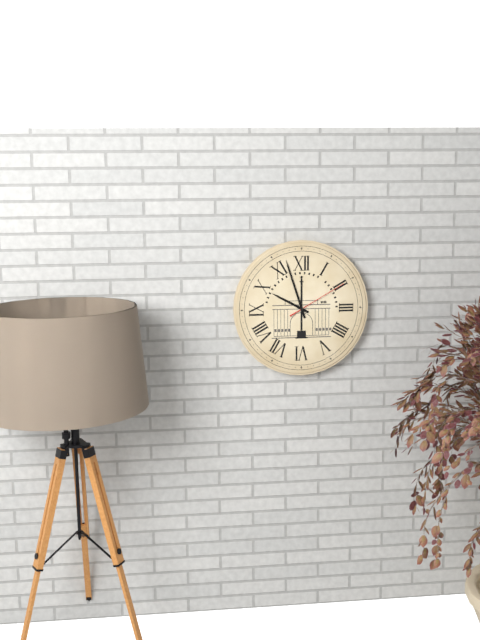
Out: 9h57m10s
